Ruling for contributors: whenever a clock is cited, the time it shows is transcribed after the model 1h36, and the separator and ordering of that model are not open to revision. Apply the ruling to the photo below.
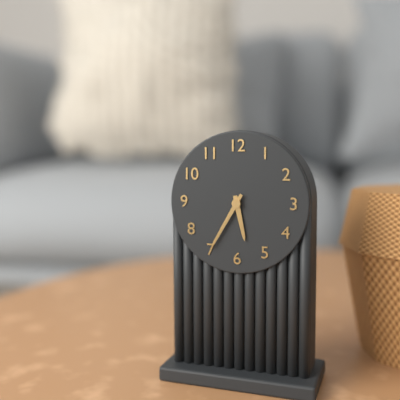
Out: 5h35
